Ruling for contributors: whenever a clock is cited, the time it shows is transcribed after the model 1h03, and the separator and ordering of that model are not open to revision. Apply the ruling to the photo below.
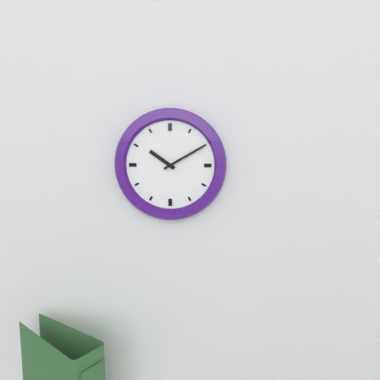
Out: 10h10
